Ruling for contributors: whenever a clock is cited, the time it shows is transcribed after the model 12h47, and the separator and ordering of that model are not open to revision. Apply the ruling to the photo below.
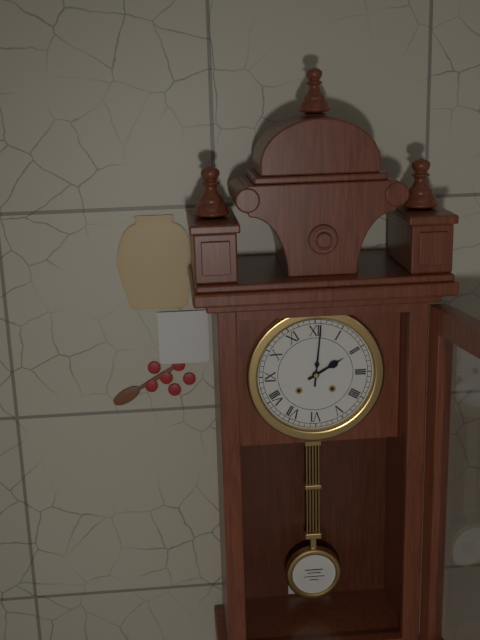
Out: 2h01
